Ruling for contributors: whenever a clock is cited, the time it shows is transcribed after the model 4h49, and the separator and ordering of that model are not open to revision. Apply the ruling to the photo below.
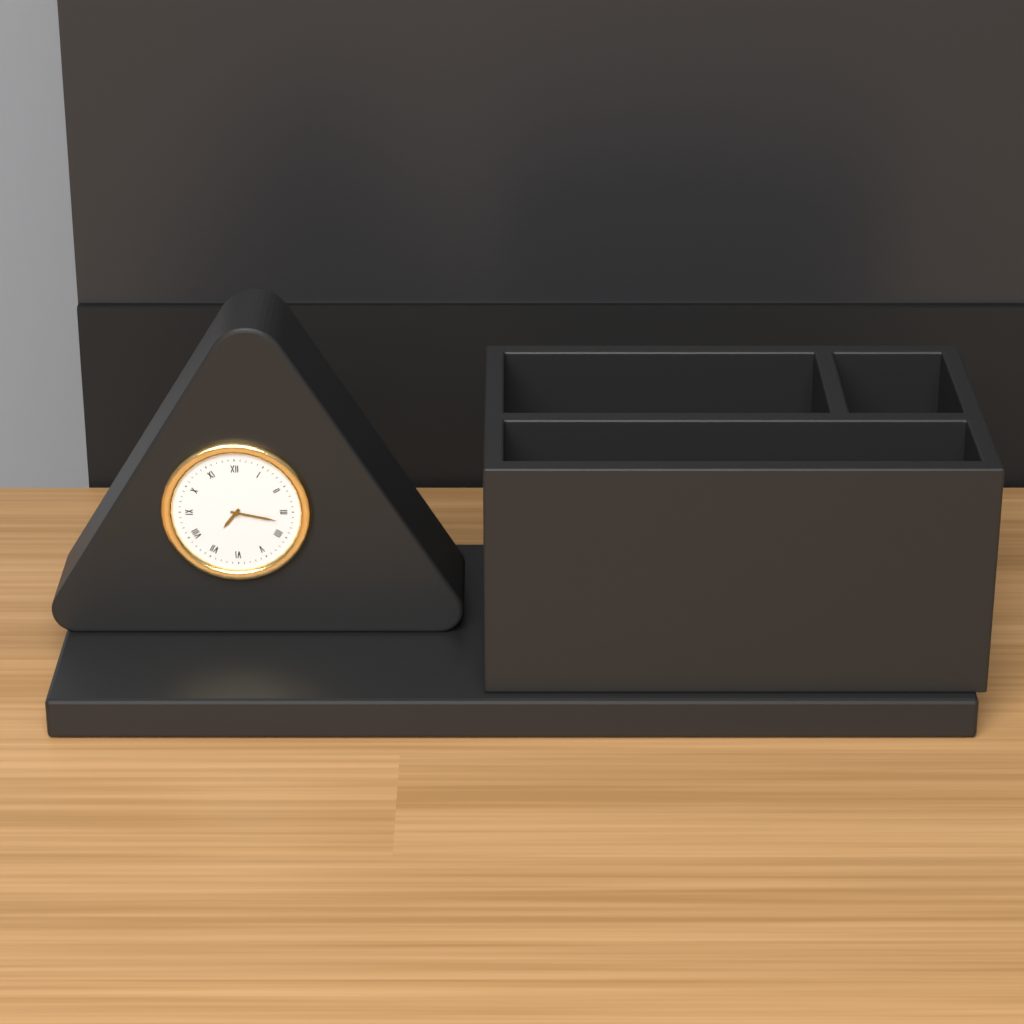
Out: 7h17
